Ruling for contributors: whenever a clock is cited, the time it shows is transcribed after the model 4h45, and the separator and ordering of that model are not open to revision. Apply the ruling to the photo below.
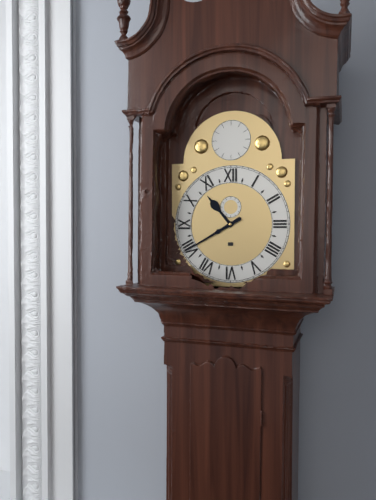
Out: 10h40
